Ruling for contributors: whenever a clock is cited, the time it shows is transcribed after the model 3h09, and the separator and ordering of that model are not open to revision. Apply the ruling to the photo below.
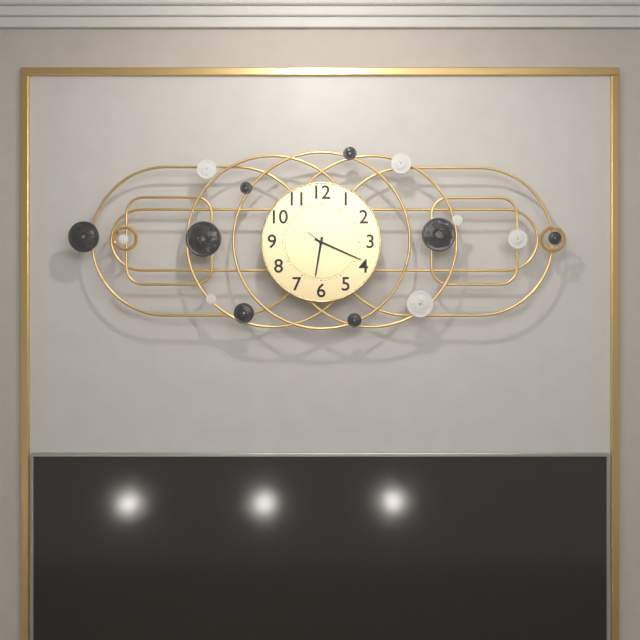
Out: 6h19
